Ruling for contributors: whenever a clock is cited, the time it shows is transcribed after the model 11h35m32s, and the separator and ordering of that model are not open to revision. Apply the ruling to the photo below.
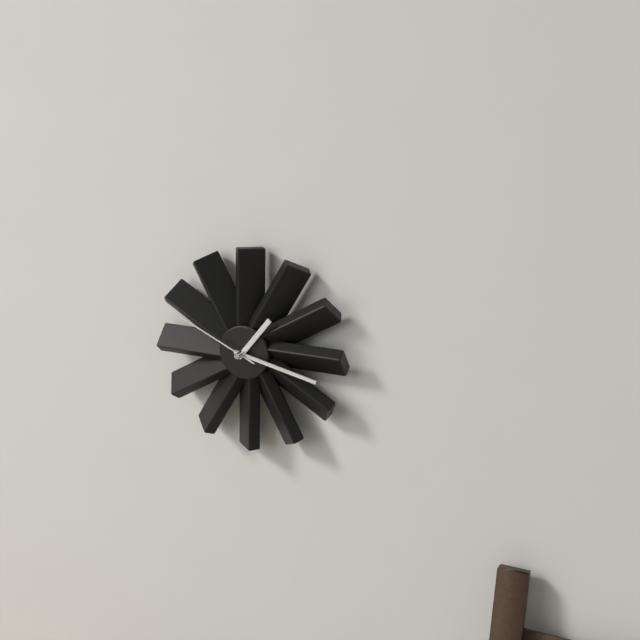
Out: 1h17m49s
